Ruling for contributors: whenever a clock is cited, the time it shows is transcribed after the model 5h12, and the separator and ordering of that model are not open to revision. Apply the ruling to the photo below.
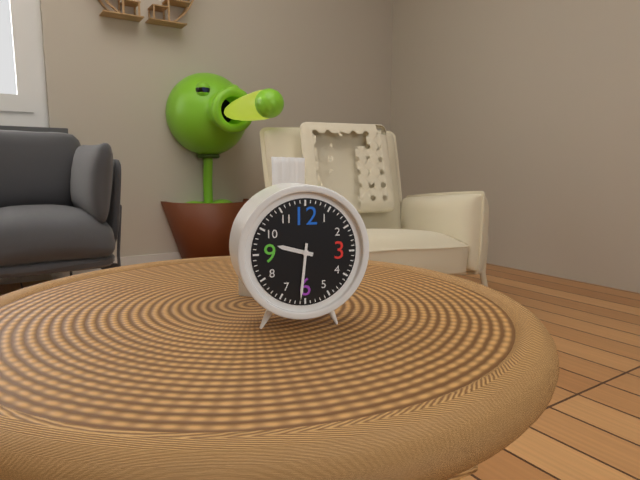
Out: 9h31
